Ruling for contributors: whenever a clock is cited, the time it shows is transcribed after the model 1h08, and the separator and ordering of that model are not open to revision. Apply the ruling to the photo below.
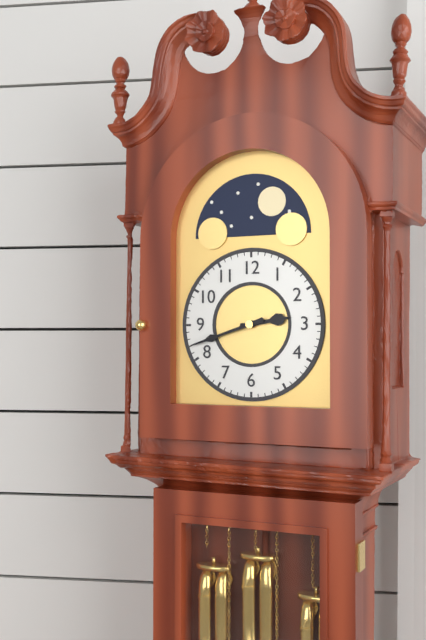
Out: 2h42
